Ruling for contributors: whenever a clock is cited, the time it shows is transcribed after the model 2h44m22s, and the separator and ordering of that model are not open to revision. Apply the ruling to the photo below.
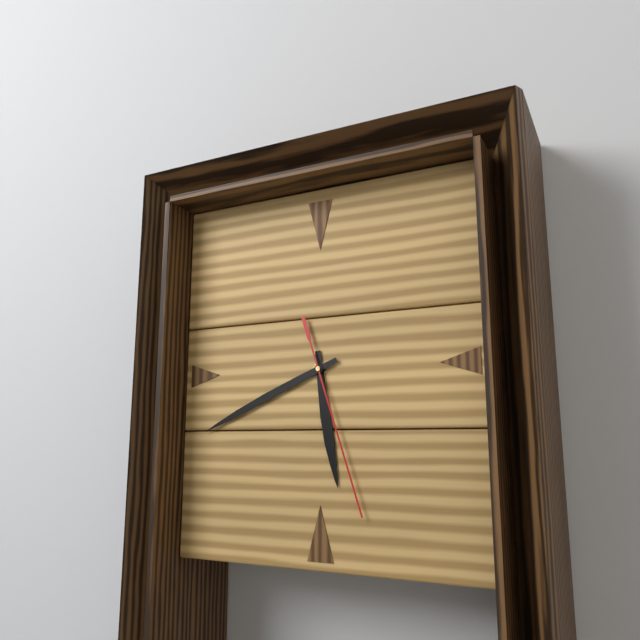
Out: 5h41m27s
